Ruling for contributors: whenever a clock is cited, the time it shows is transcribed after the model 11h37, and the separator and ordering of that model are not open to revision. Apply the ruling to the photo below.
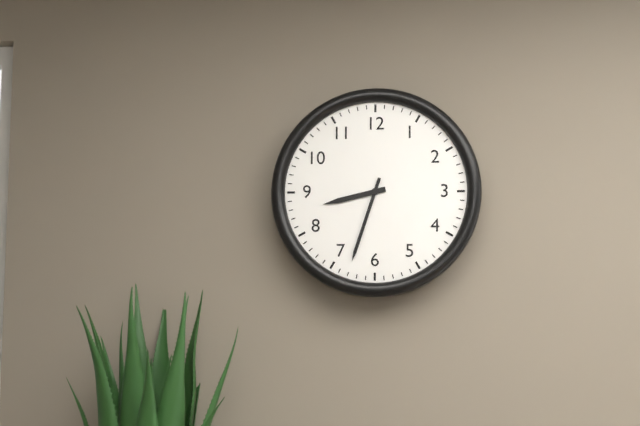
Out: 8h33
